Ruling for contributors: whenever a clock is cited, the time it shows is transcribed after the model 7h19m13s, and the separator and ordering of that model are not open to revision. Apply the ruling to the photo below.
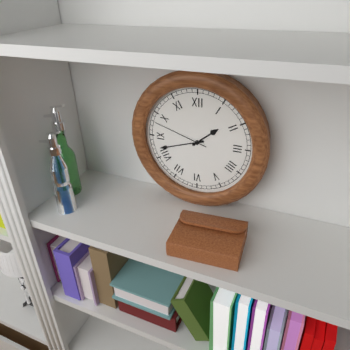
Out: 1h42m48s
